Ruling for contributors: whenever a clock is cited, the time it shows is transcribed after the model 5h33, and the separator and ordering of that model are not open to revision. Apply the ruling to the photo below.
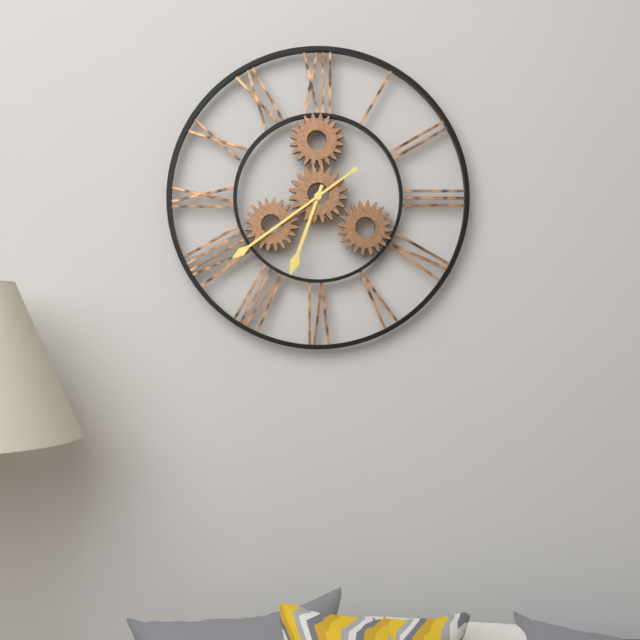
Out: 6h39
